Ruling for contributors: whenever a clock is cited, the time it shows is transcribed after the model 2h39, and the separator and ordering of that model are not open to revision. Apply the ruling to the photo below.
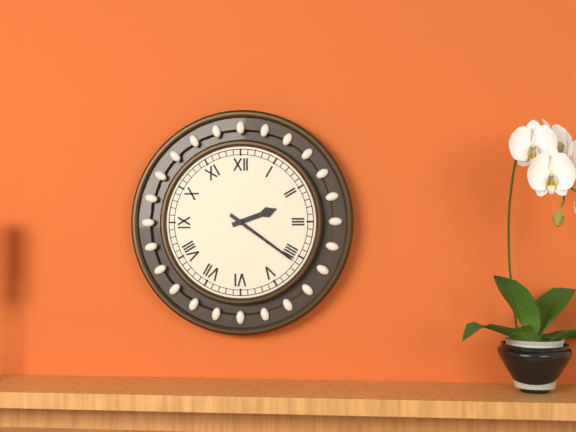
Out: 2h21
